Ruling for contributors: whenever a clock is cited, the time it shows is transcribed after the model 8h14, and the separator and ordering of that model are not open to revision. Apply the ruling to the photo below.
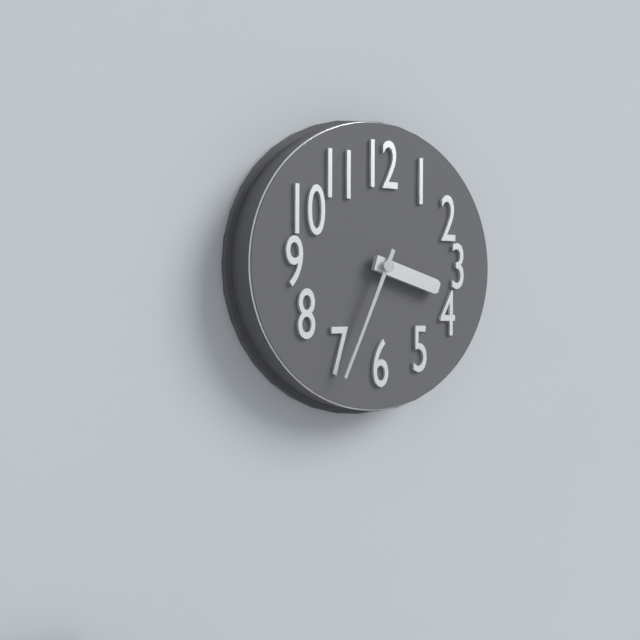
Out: 3h34
